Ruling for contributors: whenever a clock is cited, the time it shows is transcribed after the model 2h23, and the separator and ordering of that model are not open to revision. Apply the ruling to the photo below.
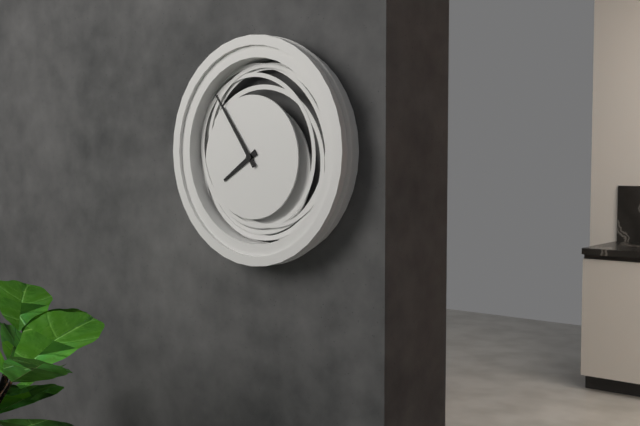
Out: 7h54
